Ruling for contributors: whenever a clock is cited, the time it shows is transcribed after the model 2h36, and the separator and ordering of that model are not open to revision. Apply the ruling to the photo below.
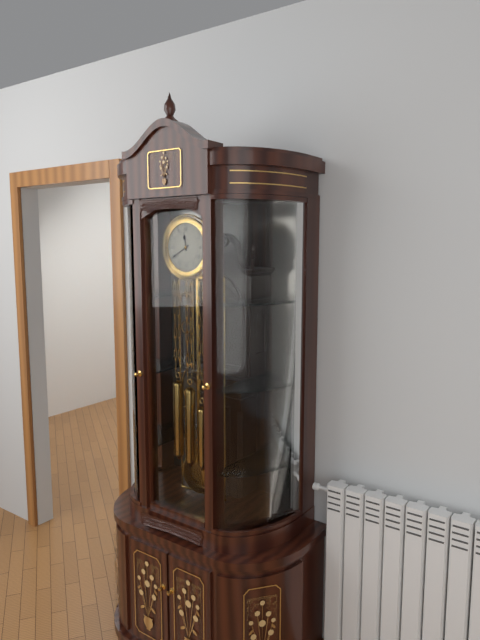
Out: 11h40
